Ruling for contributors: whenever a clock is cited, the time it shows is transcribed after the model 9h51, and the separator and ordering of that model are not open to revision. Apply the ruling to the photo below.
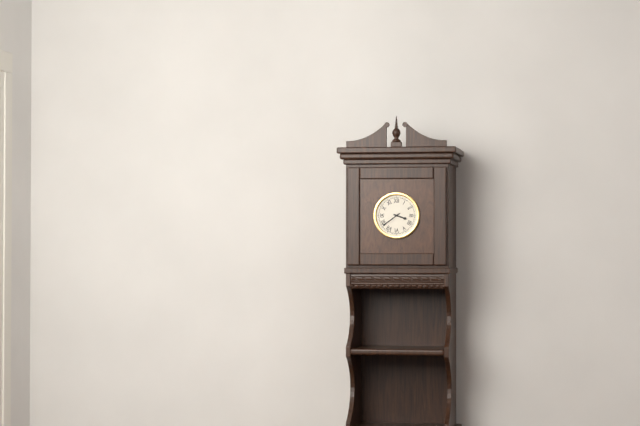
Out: 3h39
